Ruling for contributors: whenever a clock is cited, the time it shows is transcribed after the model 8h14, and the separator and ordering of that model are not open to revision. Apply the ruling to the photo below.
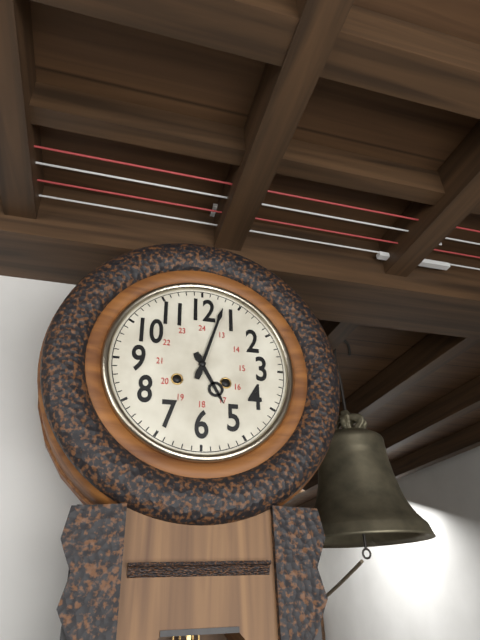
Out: 5h03
